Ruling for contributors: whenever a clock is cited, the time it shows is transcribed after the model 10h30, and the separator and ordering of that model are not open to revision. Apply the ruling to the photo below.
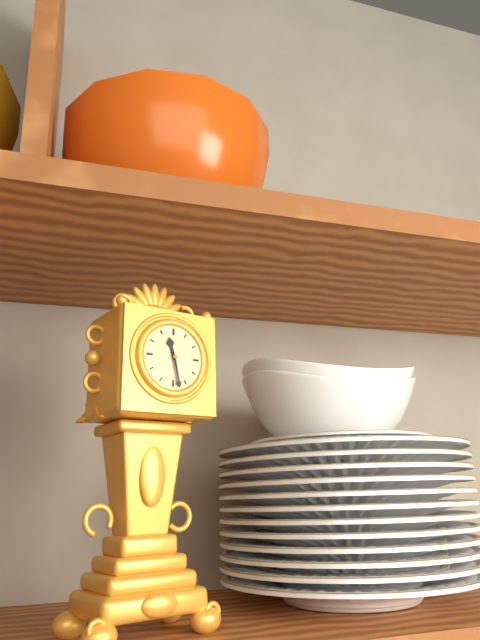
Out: 11h28
